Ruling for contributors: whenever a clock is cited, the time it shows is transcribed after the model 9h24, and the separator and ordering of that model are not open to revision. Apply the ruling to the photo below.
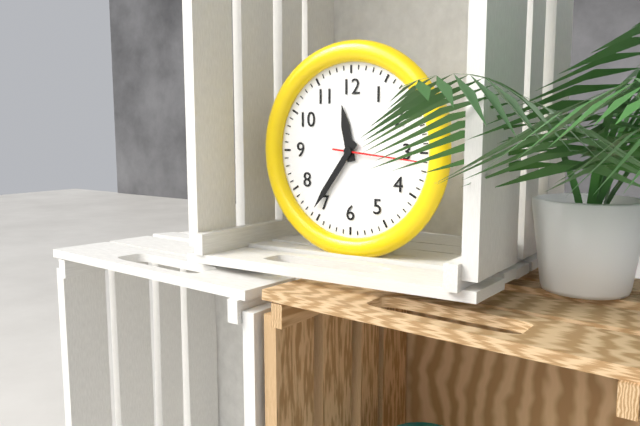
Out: 11h36
